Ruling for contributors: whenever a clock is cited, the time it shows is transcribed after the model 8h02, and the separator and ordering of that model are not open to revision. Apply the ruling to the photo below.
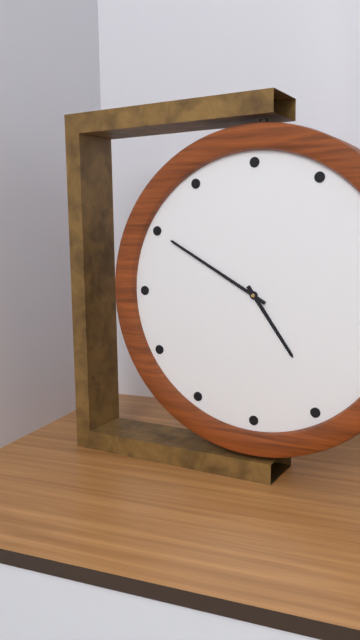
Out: 4h50
